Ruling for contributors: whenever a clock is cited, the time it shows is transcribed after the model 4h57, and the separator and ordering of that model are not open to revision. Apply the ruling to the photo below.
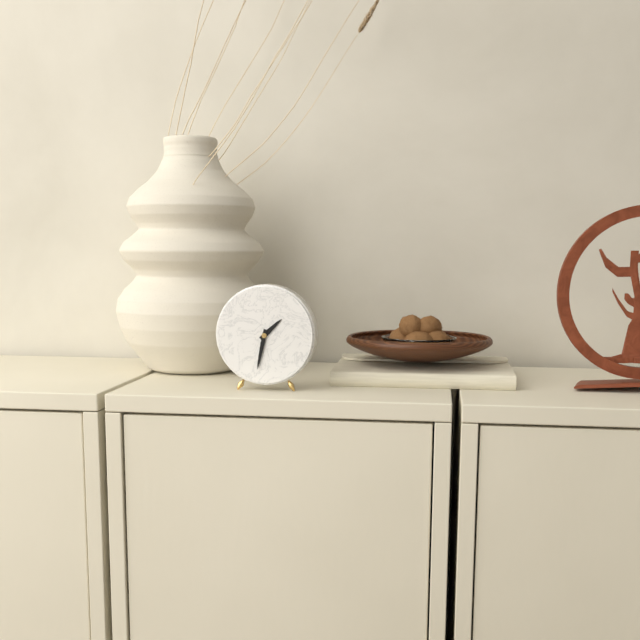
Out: 1h32
